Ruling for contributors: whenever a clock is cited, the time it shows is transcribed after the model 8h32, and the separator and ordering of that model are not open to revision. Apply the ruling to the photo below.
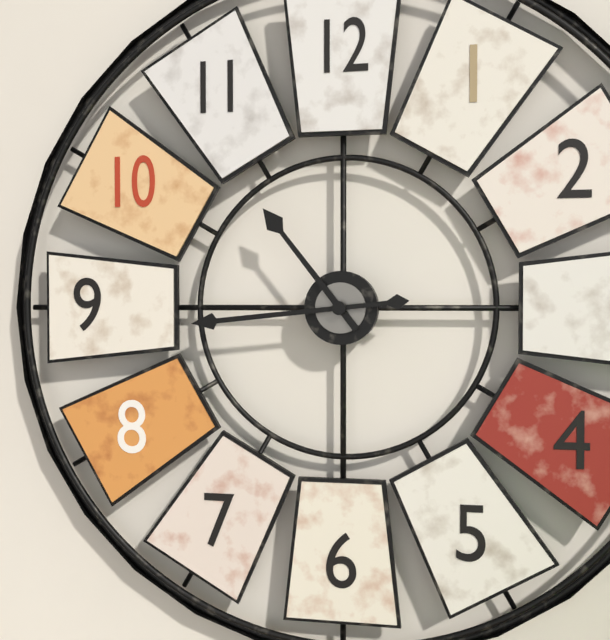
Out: 10h44
